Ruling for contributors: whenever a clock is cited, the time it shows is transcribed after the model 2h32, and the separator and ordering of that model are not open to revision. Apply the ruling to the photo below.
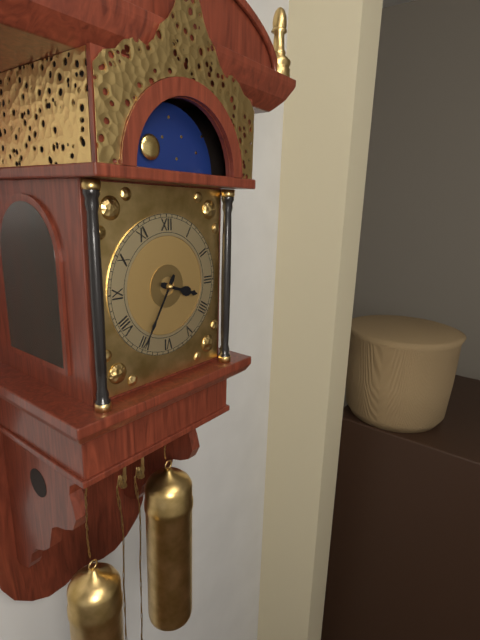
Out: 3h35
